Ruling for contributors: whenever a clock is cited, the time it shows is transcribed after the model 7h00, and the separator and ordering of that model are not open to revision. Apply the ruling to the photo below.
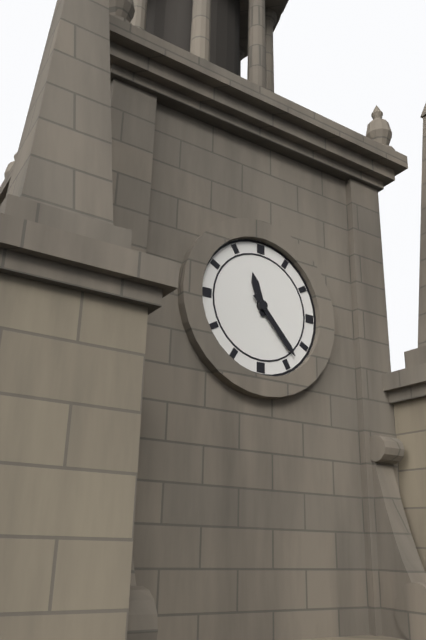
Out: 11h23
